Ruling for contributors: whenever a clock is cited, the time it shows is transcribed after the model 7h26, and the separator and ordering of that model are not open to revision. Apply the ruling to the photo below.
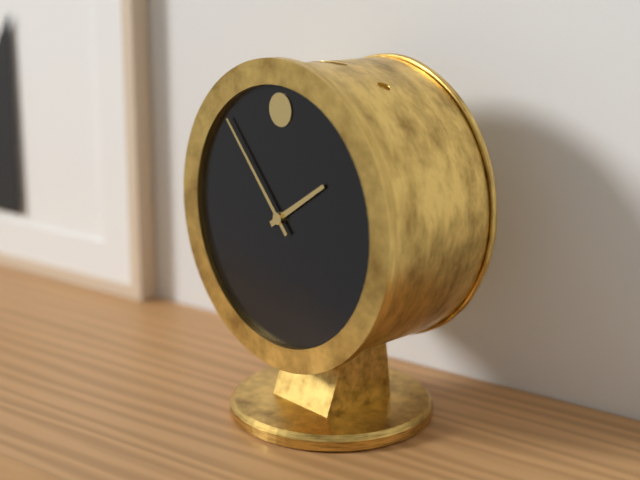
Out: 1h53
